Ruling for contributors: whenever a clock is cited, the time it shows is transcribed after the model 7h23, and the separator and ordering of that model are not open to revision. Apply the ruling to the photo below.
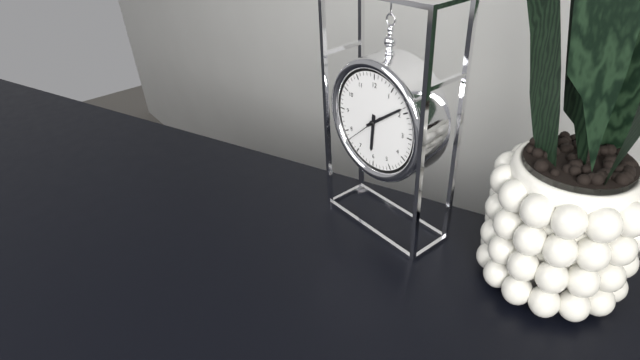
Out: 6h09
